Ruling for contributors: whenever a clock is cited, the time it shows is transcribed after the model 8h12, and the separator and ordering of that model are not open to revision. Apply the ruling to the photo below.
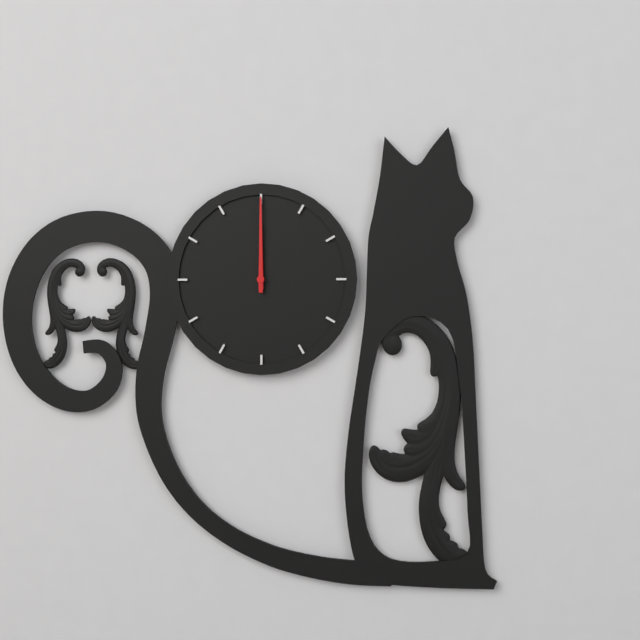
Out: 12h00
